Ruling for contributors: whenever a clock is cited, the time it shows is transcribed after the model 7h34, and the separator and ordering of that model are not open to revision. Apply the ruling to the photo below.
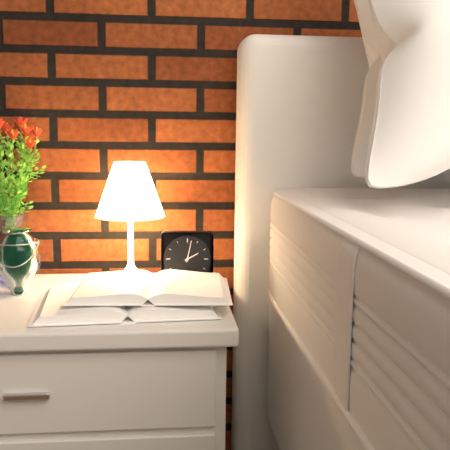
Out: 2h02
